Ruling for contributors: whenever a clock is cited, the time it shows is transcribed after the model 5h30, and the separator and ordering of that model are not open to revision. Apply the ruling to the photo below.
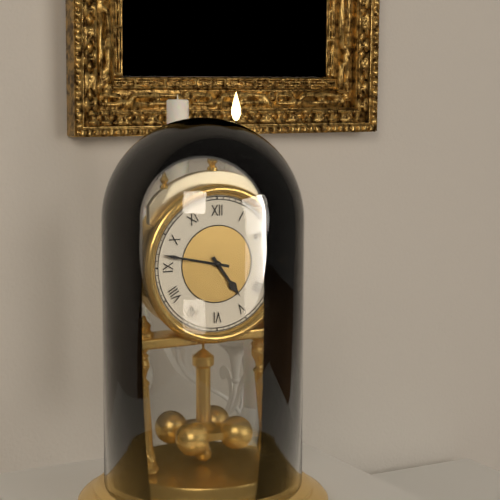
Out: 4h47
